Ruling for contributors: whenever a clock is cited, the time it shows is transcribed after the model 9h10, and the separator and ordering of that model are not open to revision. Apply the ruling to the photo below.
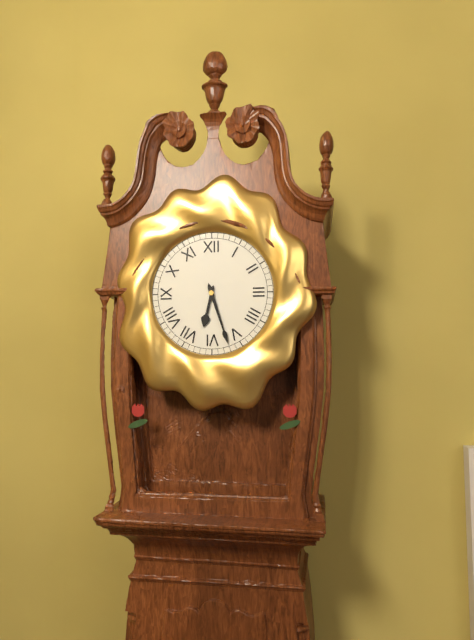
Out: 6h27
